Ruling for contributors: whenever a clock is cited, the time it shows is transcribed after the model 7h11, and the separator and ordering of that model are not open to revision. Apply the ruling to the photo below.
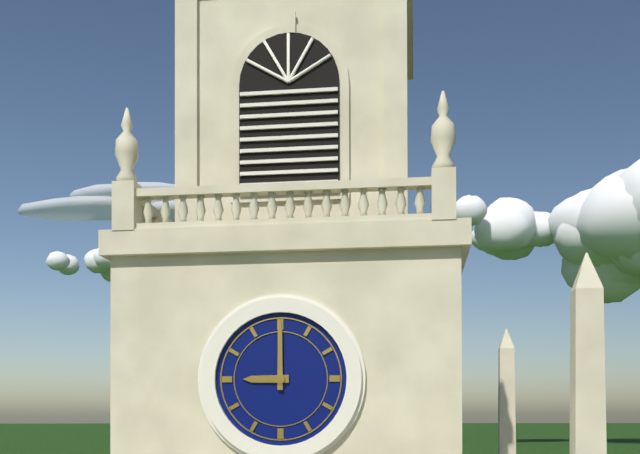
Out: 9h00
